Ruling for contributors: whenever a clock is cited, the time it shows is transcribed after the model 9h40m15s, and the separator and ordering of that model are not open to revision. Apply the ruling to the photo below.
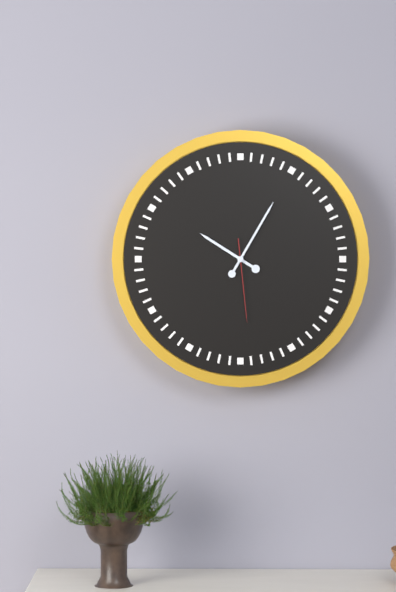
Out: 10h05m29s
